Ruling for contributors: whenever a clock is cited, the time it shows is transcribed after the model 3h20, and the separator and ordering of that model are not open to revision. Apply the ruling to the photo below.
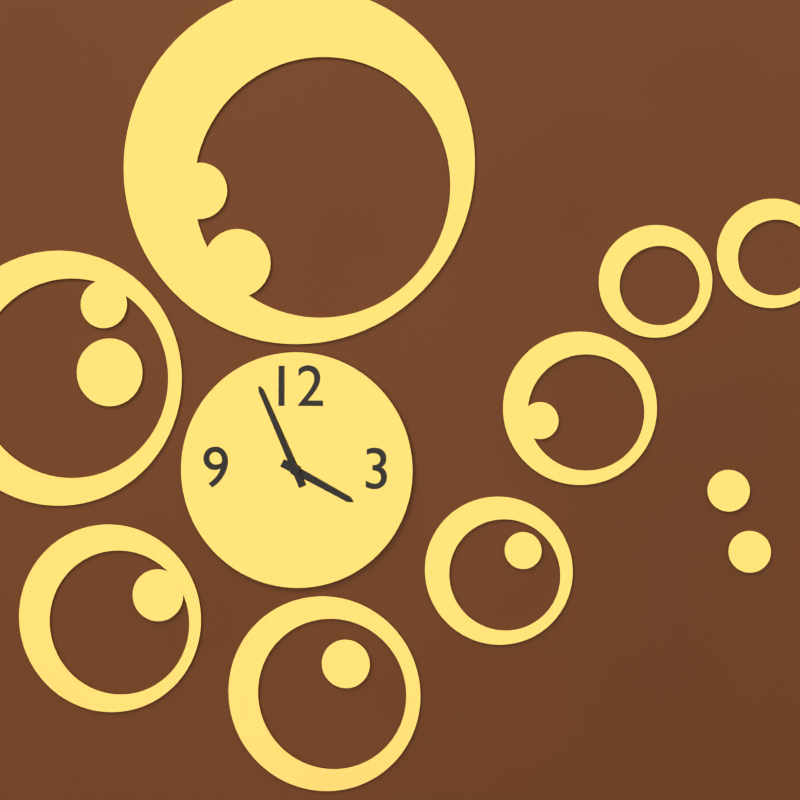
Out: 3h56
